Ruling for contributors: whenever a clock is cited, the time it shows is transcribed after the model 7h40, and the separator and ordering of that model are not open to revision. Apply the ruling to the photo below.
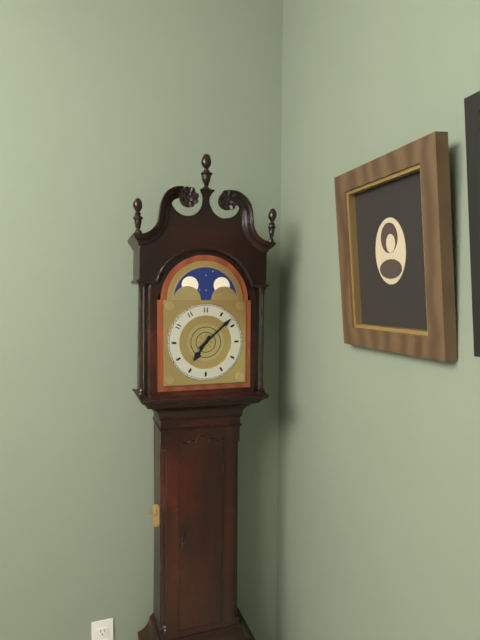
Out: 7h08
